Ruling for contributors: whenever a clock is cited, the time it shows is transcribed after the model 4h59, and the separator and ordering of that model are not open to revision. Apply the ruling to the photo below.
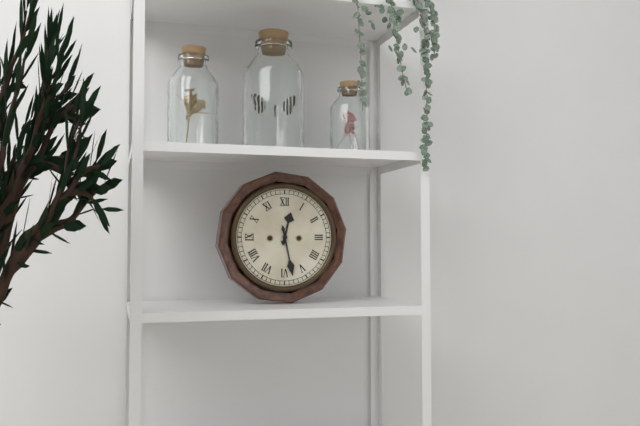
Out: 12h28
